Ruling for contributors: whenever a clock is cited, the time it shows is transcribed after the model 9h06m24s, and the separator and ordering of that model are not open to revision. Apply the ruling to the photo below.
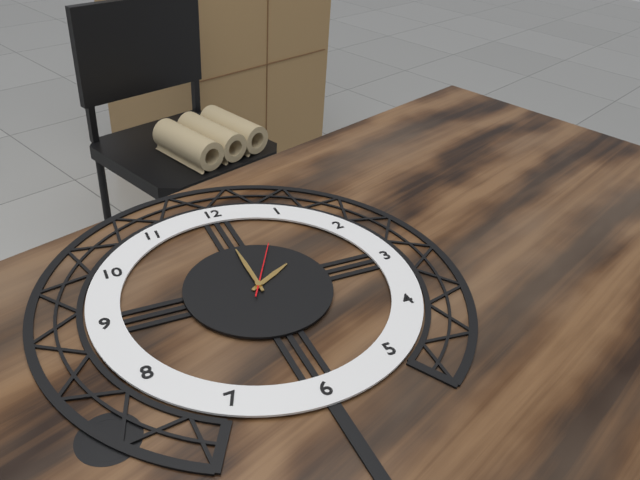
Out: 2h00m05s
